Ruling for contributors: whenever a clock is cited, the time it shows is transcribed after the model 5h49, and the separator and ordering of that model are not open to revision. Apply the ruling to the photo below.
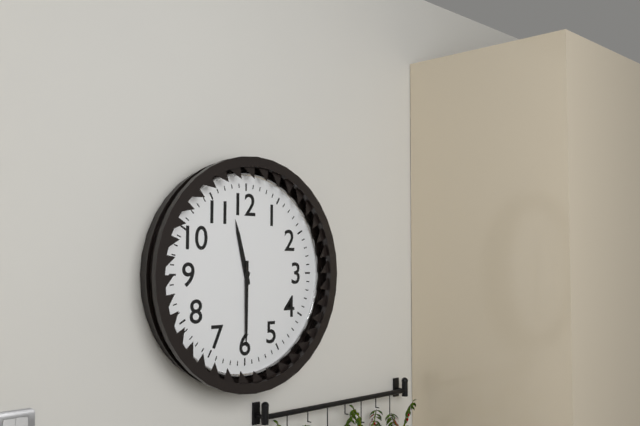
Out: 11h30
